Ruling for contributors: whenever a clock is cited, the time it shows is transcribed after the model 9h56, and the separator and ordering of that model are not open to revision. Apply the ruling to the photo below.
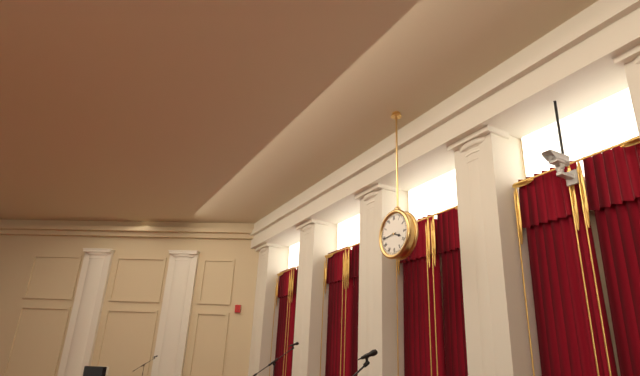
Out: 3h44
